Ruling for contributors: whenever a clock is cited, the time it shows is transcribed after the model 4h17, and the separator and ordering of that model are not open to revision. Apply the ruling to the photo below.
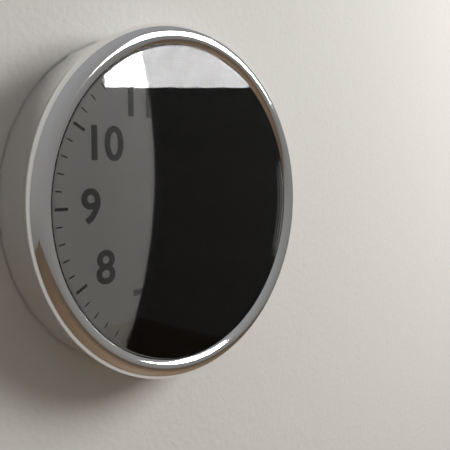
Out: 7h19
